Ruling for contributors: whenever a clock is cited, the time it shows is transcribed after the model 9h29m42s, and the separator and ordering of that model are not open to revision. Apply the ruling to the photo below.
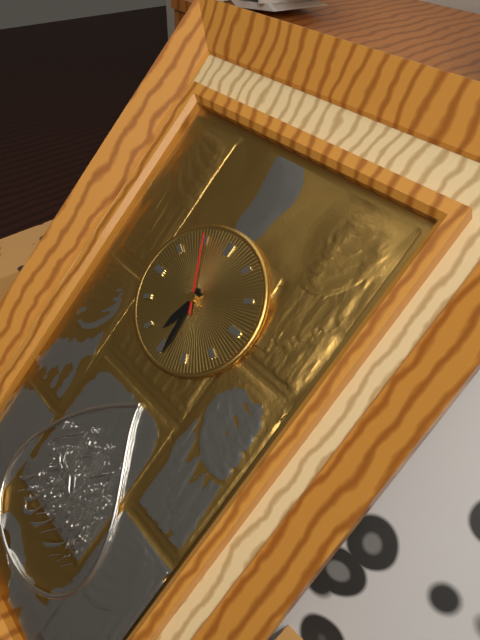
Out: 6h29m55s
